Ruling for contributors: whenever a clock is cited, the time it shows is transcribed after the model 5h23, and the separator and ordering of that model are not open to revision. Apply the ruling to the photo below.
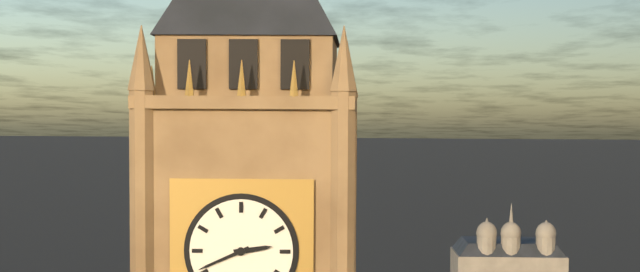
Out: 2h41
